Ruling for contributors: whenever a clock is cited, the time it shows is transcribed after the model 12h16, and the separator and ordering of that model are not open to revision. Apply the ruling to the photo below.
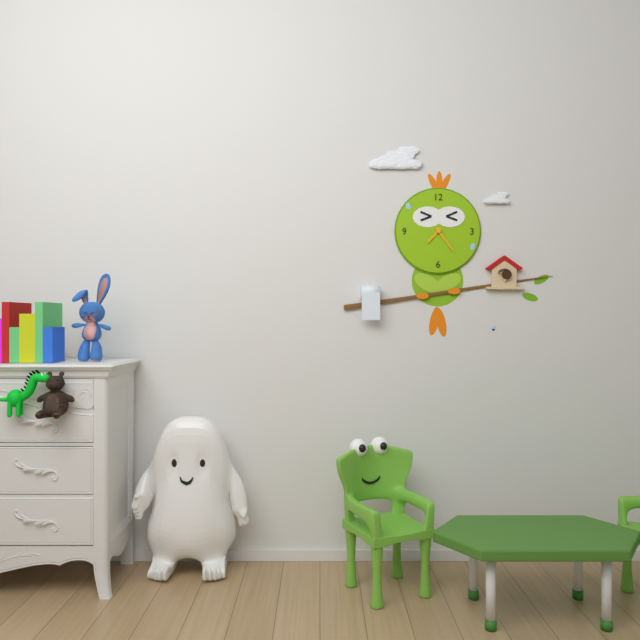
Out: 7h24
